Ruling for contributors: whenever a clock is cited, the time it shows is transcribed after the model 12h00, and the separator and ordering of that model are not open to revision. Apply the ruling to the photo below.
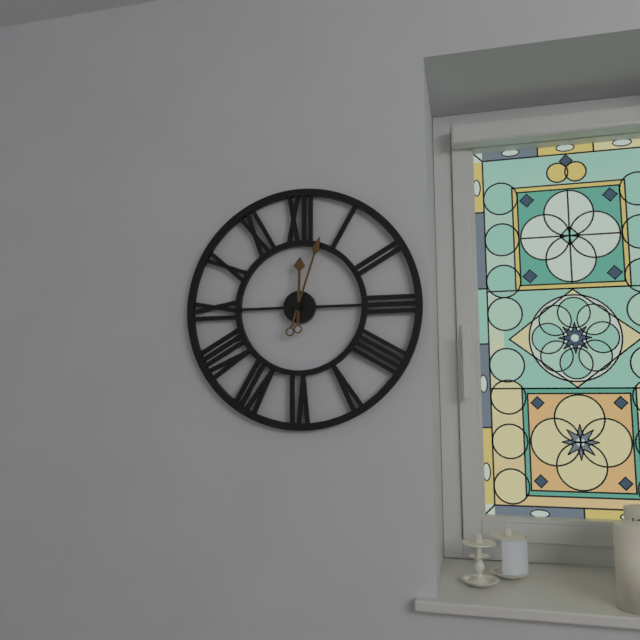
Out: 12h03
